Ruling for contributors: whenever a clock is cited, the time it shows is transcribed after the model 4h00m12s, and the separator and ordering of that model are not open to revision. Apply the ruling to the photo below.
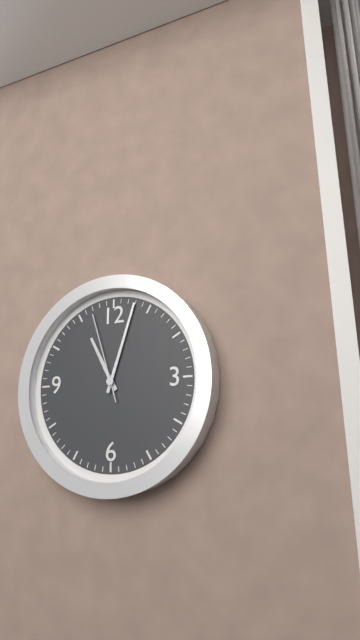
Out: 11h03m57s
